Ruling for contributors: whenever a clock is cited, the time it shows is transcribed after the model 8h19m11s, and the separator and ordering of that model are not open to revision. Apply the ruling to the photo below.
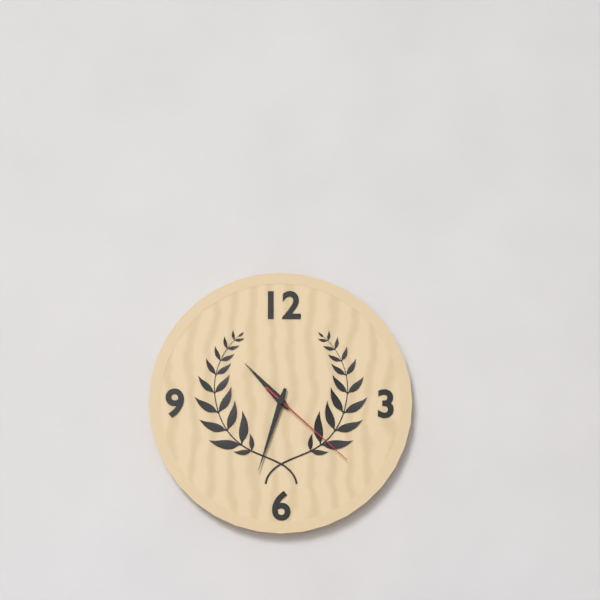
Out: 10h33m22s
